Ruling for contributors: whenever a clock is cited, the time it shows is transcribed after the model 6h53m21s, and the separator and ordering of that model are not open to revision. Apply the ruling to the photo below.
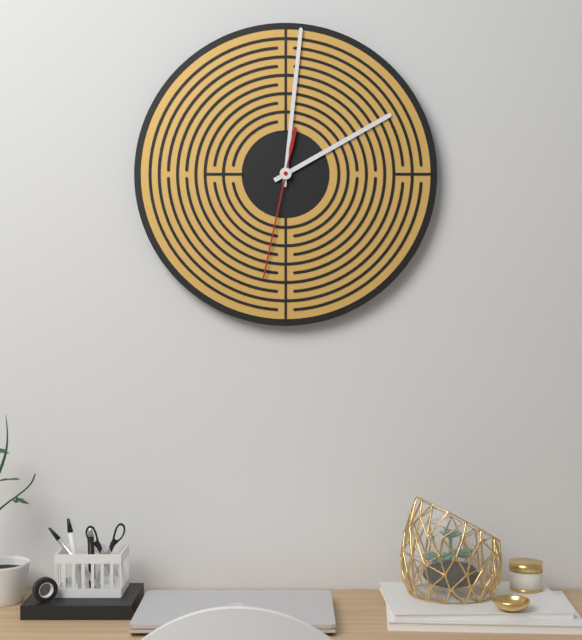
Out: 2h01m32s
